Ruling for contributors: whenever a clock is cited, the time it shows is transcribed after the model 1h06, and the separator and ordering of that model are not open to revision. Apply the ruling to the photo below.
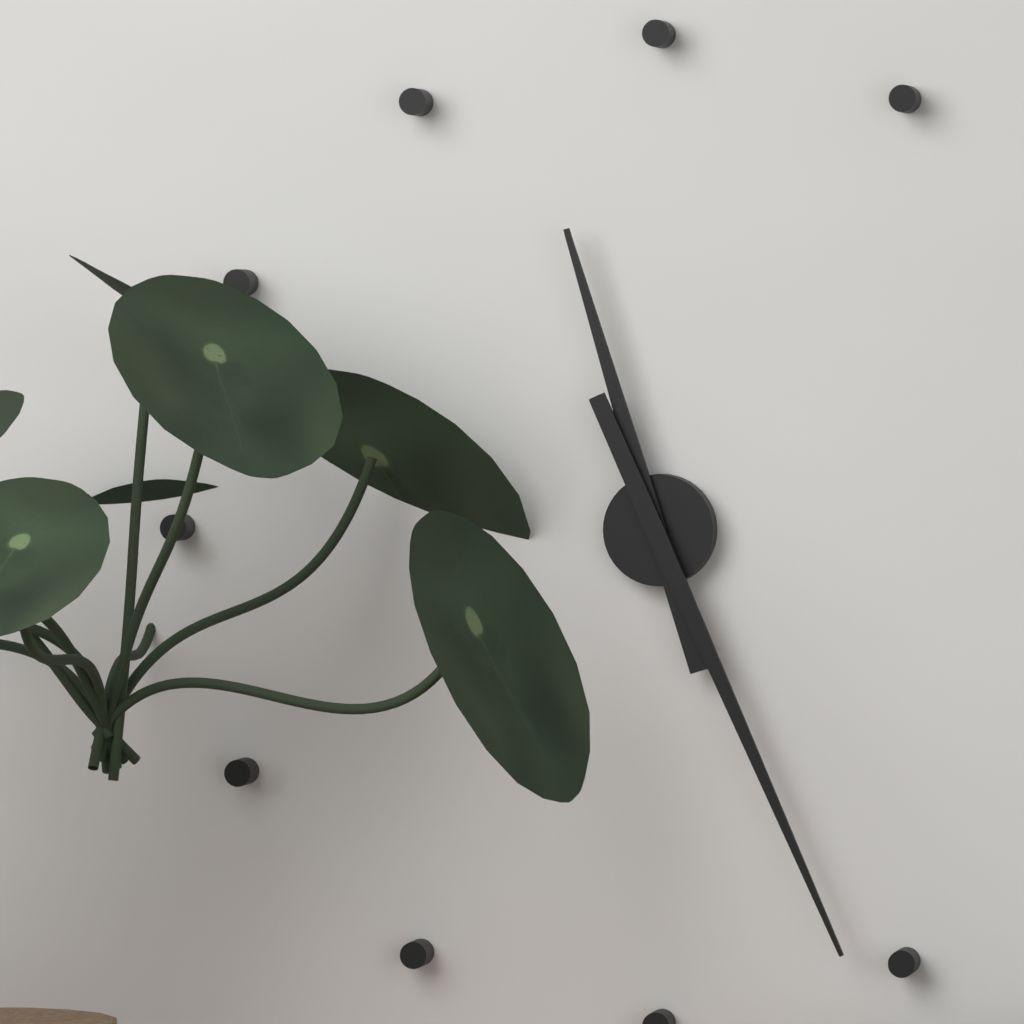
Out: 11h26
